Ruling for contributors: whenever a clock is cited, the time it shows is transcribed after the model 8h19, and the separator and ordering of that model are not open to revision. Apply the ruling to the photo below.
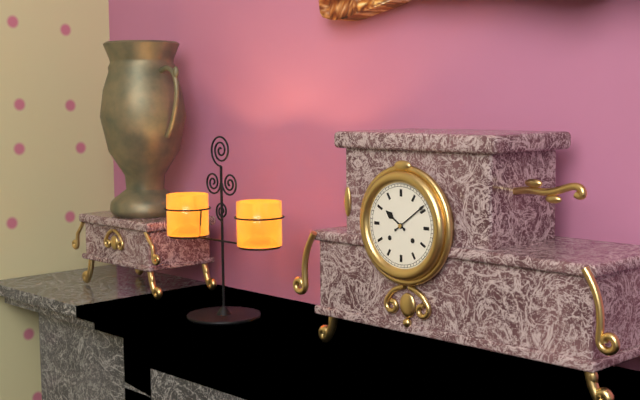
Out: 10h09
